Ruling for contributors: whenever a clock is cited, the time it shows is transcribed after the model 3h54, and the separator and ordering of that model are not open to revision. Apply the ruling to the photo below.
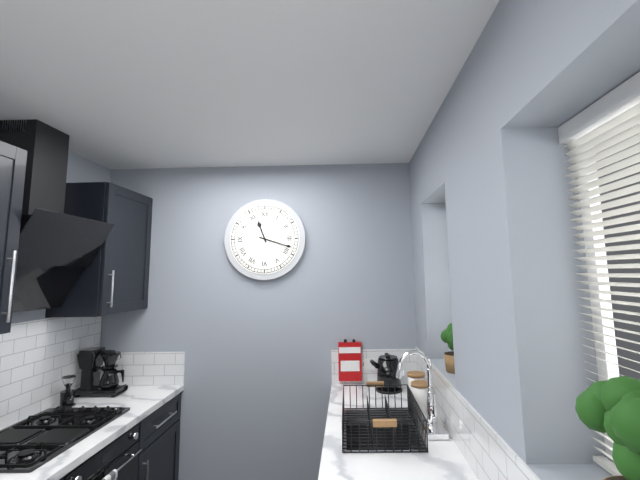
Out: 11h18
